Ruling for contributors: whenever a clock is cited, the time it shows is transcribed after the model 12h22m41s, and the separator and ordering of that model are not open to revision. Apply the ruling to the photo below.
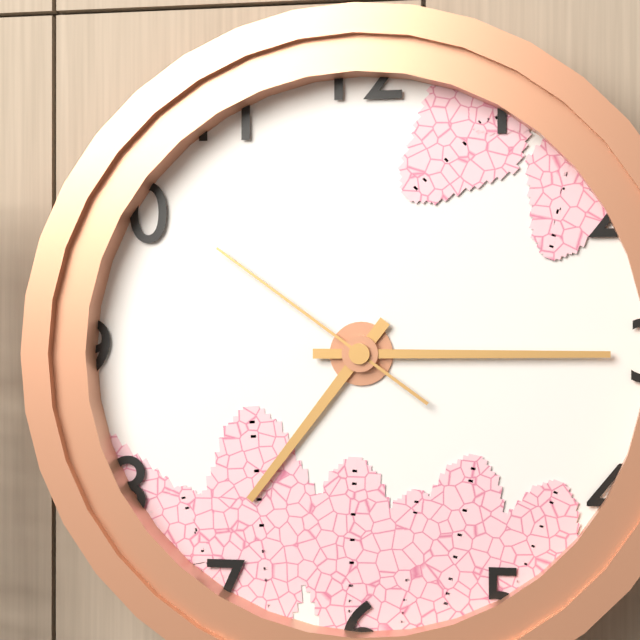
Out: 7h15m51s
